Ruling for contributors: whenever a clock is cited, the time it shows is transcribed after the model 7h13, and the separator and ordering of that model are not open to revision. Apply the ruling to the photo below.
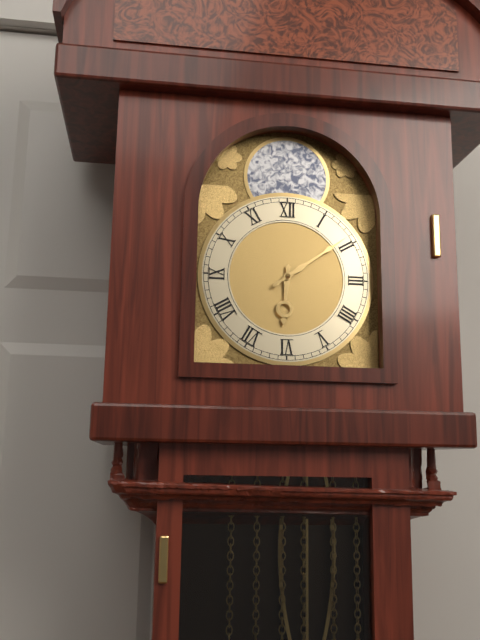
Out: 6h09
